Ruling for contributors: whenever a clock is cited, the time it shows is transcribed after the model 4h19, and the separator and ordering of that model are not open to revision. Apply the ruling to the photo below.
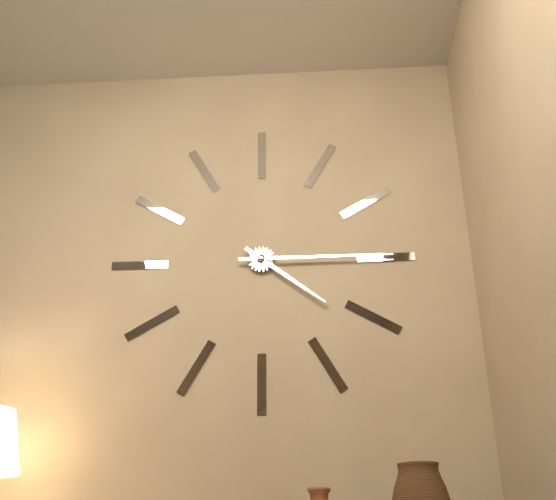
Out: 4h15
